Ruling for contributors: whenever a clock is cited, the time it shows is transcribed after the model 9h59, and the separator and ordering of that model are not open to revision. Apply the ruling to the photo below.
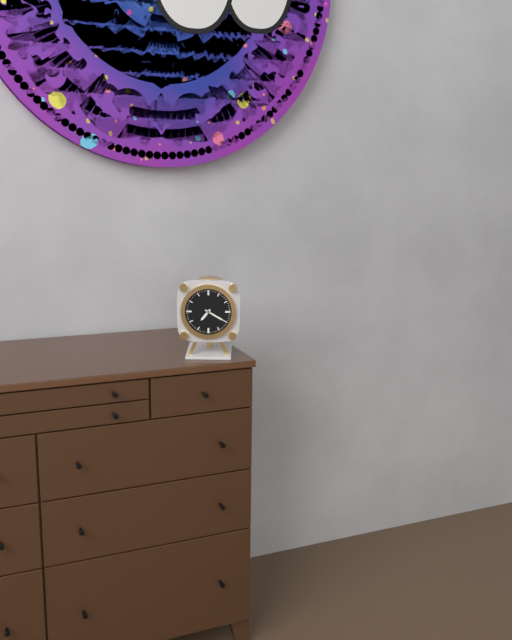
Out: 7h20
